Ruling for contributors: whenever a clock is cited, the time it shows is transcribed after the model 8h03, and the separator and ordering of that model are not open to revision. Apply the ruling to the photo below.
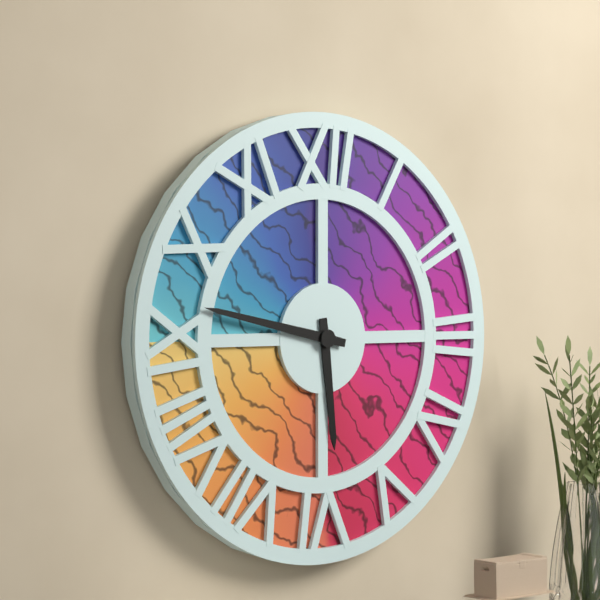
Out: 5h47
